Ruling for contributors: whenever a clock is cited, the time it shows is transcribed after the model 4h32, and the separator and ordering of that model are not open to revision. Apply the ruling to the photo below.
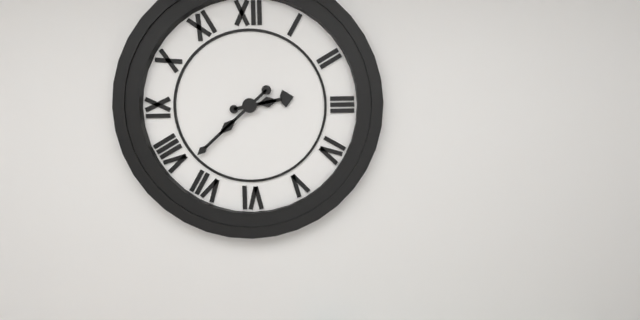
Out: 2h38
